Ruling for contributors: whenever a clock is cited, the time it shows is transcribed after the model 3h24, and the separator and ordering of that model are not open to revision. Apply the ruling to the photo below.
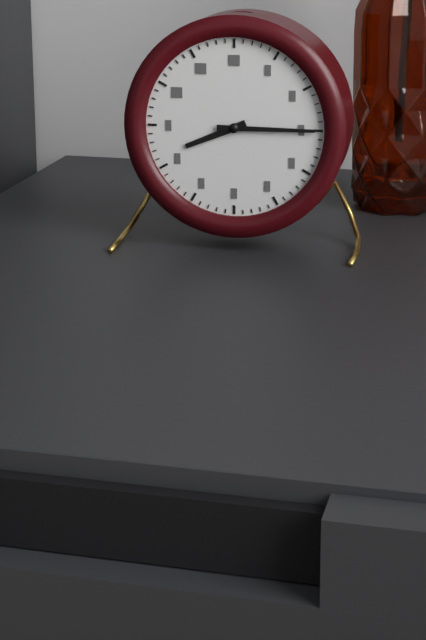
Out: 8h15
